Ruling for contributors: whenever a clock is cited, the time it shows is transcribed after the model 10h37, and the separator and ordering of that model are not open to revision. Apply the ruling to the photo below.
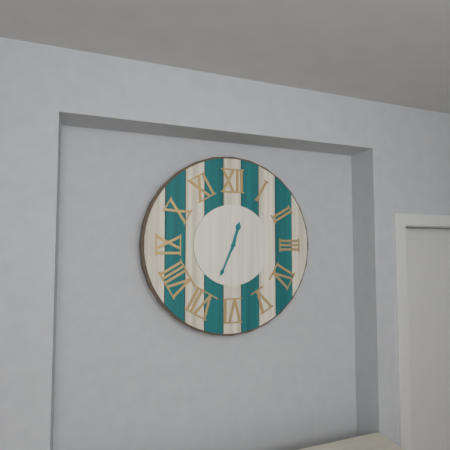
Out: 12h34
